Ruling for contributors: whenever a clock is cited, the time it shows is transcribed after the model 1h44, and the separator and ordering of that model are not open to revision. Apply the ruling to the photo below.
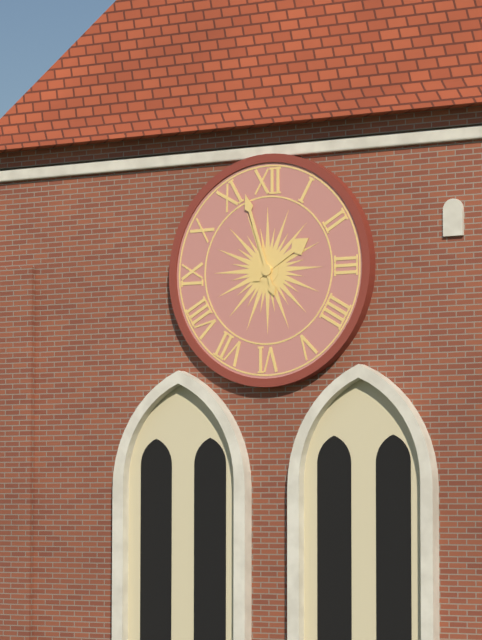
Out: 1h57
